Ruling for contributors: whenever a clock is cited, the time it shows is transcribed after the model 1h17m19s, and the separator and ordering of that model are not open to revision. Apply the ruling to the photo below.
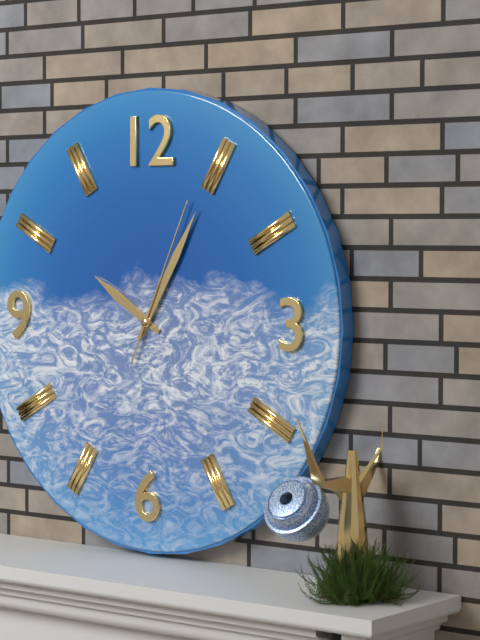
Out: 10h05m04s
